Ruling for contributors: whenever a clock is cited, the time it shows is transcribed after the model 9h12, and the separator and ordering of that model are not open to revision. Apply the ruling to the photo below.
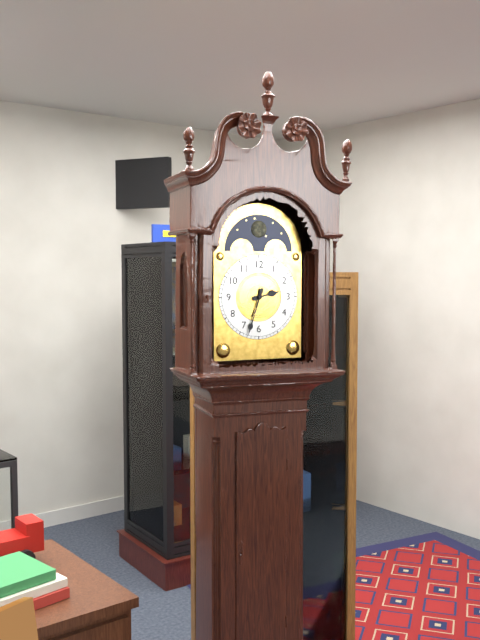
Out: 2h33
